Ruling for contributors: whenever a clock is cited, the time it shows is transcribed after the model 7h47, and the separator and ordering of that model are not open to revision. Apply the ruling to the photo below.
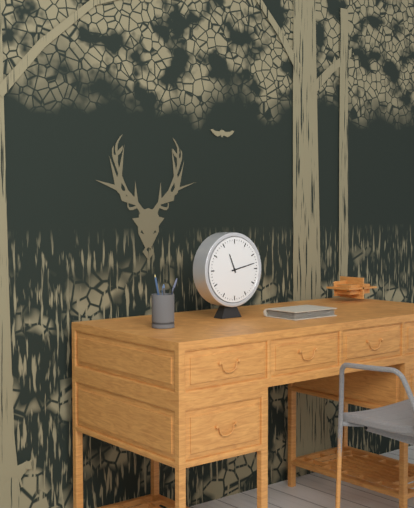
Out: 11h13
